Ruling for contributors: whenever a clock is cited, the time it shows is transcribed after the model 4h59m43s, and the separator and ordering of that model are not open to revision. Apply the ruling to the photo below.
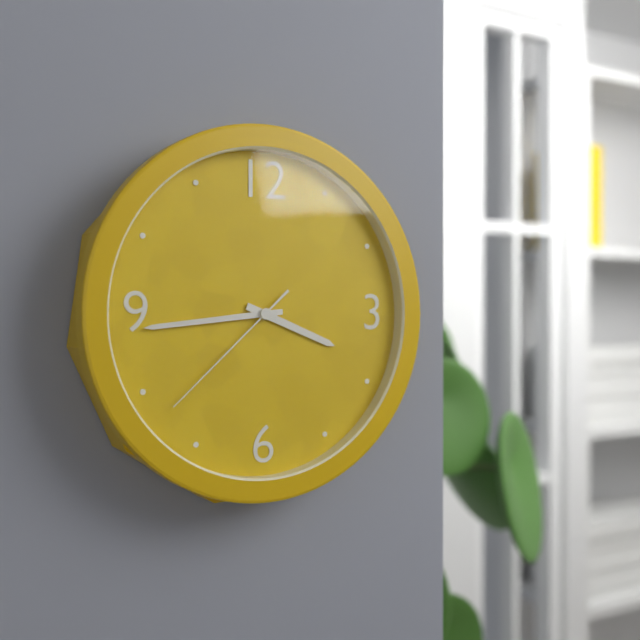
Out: 3h44m38s
